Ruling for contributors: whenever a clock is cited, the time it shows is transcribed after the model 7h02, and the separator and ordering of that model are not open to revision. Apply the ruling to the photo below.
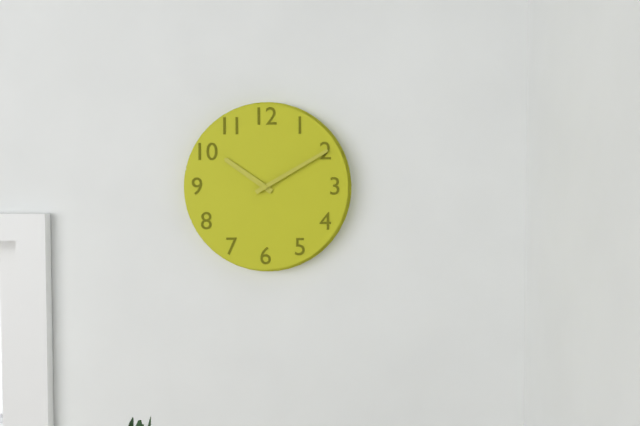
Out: 10h10
